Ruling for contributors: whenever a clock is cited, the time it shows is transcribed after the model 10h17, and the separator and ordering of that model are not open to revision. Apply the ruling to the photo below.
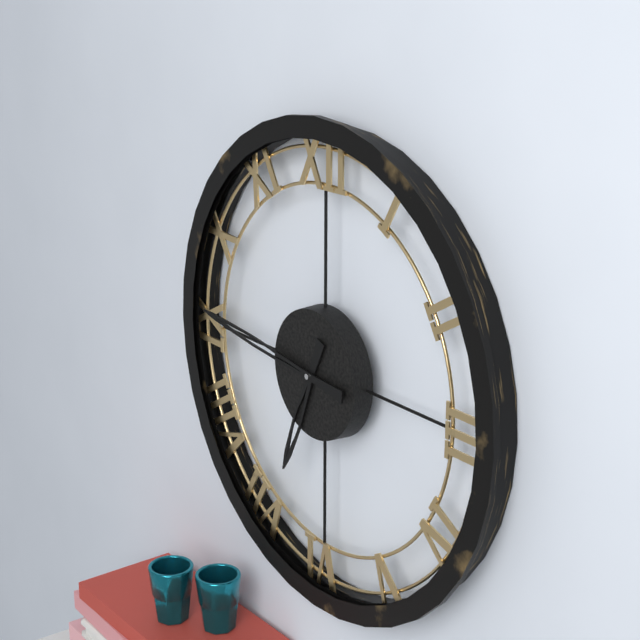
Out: 6h46
